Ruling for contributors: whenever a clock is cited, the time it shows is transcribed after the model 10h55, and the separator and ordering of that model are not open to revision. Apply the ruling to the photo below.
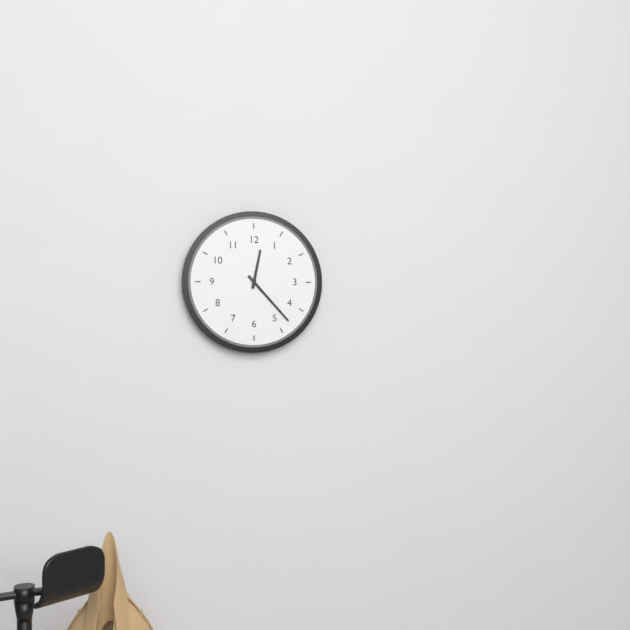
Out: 12h23
